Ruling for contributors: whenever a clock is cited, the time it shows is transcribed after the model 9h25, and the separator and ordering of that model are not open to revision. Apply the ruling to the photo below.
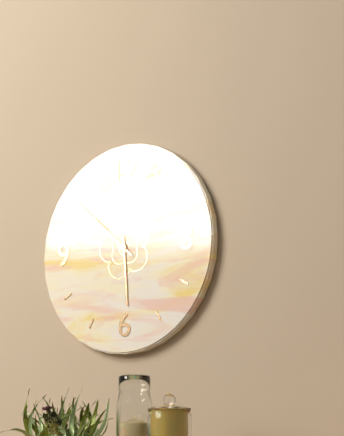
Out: 5h52
